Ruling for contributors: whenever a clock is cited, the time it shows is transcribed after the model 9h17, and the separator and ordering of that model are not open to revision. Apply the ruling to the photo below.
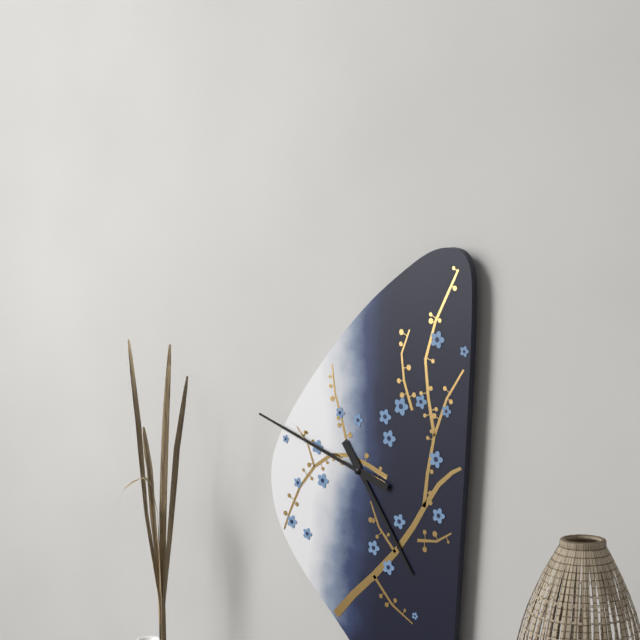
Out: 4h48
